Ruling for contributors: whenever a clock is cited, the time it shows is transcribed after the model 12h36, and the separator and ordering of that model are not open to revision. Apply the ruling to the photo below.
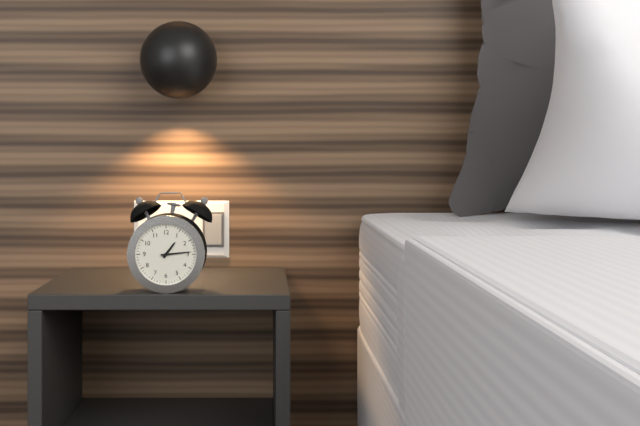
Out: 1h14
